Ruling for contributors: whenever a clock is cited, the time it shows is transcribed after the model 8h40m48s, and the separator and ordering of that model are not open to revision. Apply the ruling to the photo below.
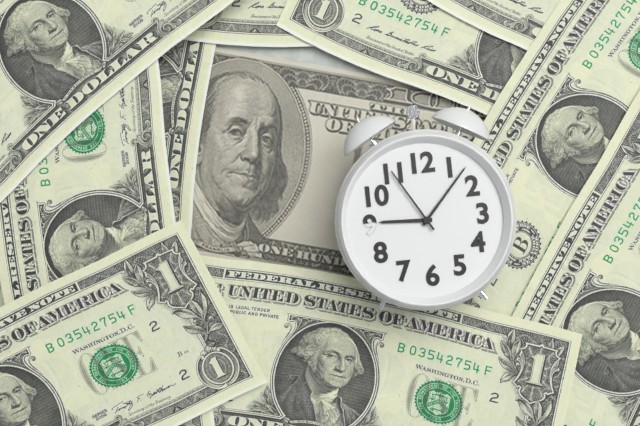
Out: 9h07m55s
